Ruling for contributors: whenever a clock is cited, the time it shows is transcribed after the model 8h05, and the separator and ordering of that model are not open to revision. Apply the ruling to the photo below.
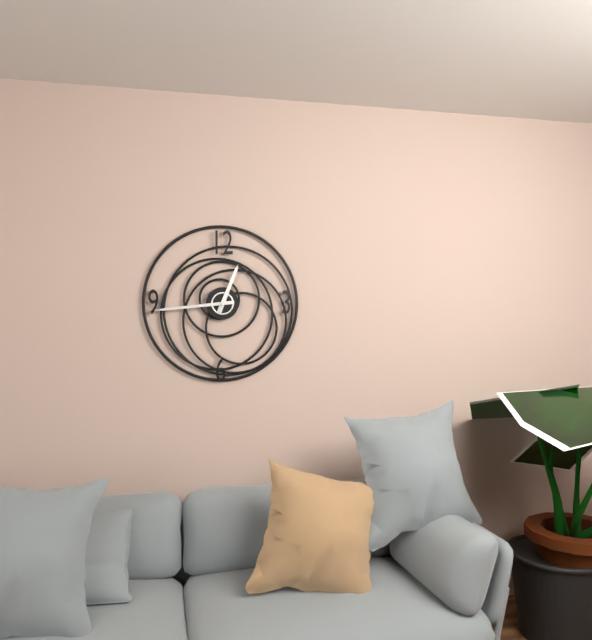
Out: 12h44
